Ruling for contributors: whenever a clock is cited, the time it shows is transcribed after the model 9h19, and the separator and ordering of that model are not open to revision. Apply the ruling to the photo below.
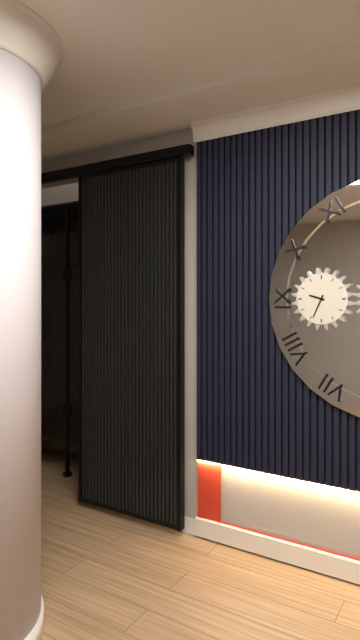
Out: 9h34
